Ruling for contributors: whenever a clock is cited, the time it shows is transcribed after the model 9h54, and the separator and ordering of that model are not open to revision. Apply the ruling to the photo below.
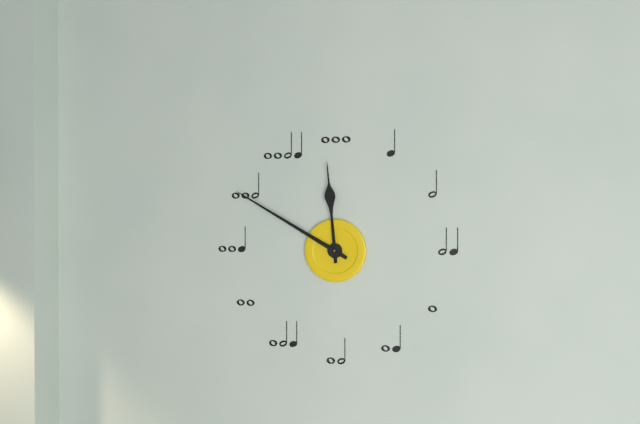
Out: 11h50
